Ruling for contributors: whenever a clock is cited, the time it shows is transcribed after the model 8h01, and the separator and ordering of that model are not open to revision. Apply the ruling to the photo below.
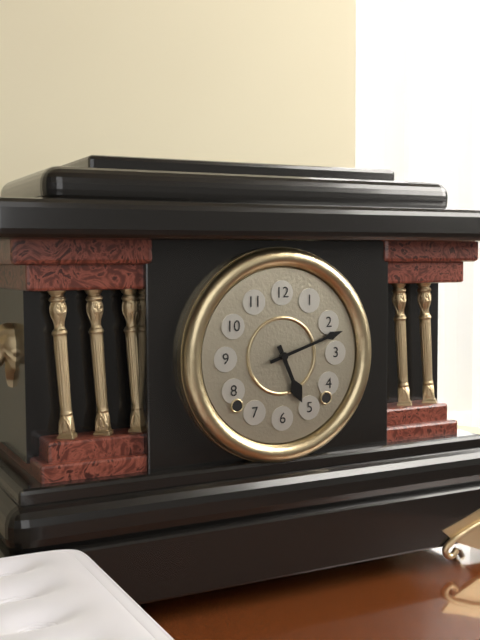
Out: 5h12
